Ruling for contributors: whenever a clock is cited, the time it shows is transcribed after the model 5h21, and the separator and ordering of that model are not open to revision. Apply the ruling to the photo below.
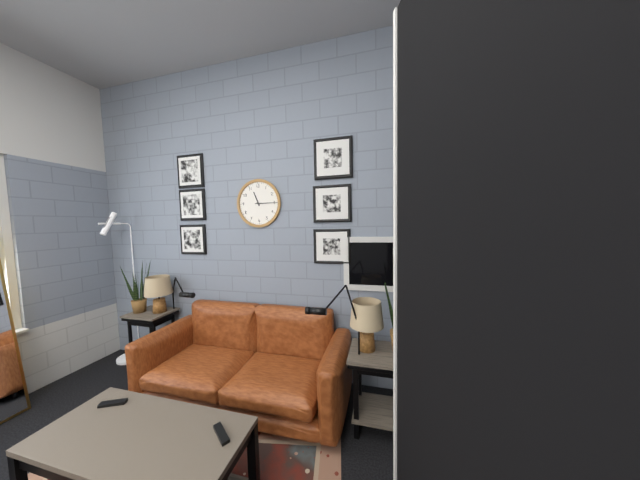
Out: 11h15
